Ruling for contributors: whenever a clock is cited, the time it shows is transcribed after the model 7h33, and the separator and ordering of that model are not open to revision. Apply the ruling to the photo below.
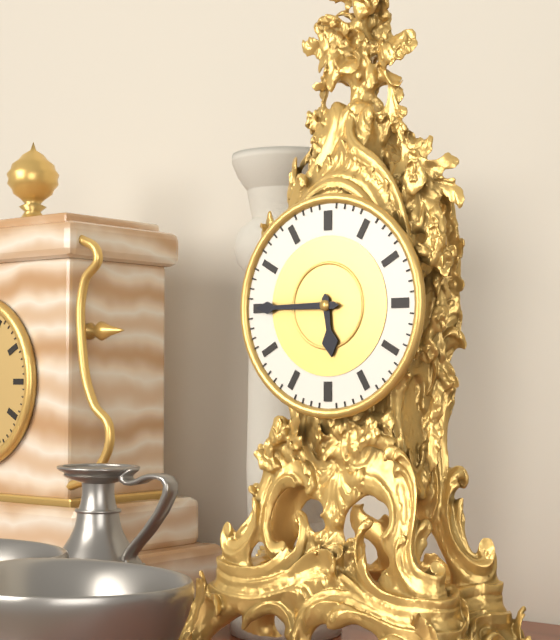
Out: 5h45
